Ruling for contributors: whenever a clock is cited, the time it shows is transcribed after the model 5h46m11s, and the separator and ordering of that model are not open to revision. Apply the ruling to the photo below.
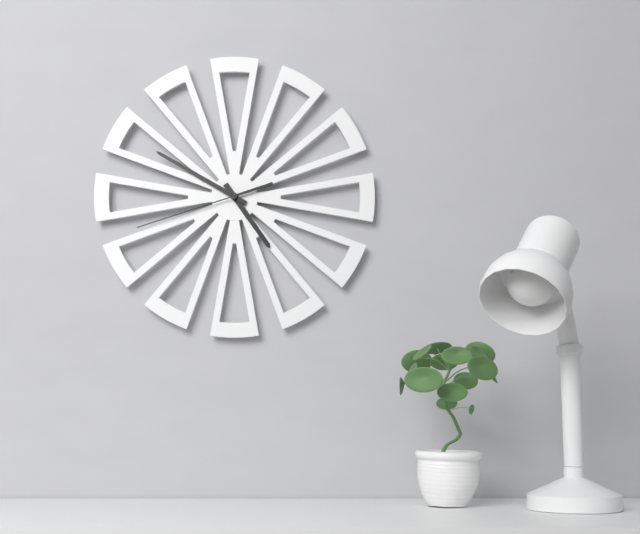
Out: 4h50m42s
